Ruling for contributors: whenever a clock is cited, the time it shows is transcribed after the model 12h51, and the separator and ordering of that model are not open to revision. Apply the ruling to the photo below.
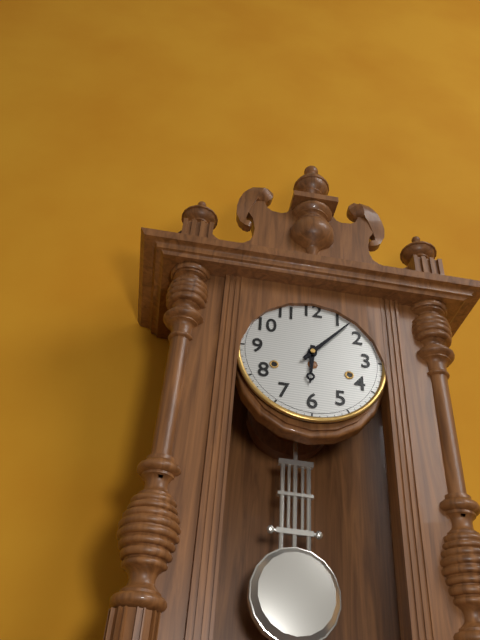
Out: 6h07
